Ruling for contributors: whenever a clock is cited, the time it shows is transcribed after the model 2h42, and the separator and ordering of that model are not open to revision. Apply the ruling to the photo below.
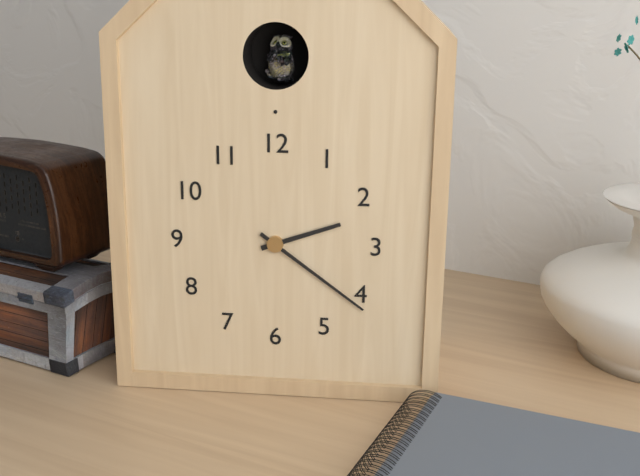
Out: 2h21
